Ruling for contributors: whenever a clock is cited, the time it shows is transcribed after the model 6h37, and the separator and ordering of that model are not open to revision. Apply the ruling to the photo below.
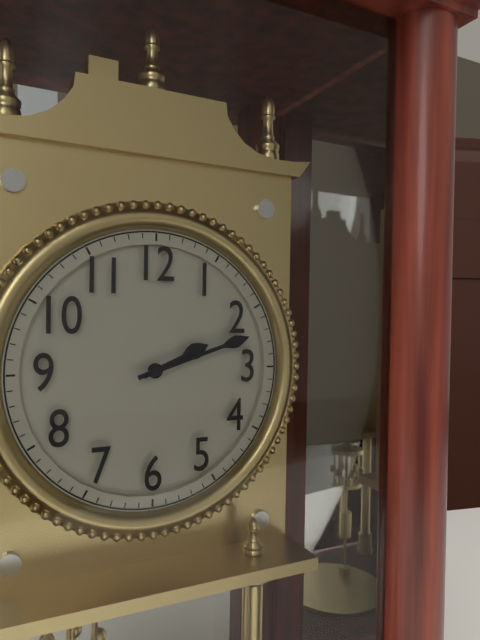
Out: 2h12
